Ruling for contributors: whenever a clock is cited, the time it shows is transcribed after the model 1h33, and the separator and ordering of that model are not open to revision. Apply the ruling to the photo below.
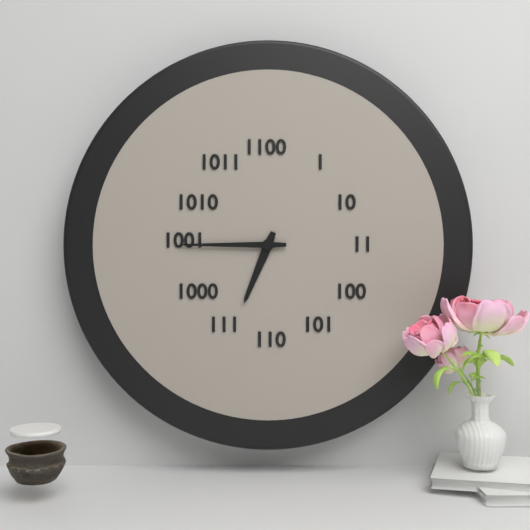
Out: 6h45
